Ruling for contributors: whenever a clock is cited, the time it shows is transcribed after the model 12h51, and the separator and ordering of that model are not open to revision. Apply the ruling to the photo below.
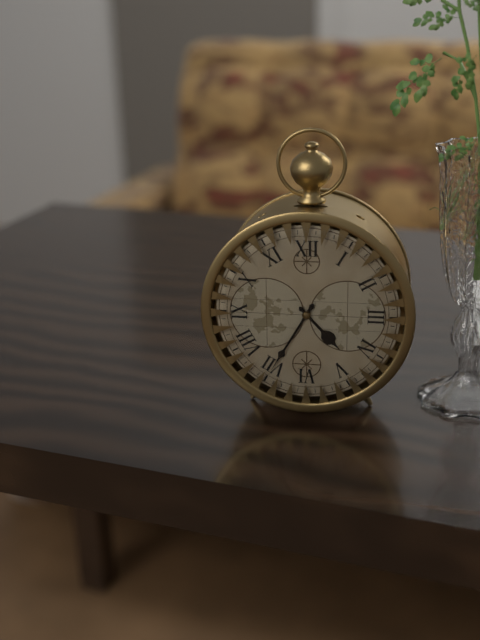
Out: 4h35
